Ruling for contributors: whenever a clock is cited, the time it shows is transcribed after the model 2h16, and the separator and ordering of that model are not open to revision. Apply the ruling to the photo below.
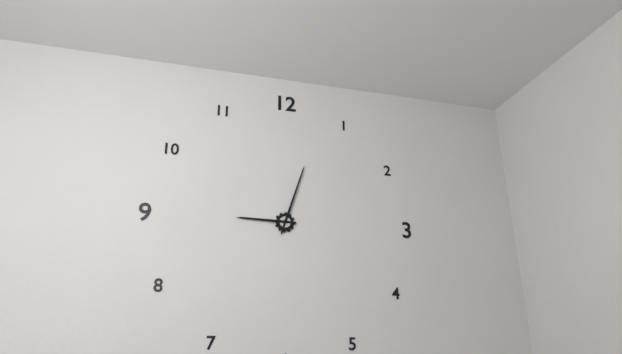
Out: 9h03
